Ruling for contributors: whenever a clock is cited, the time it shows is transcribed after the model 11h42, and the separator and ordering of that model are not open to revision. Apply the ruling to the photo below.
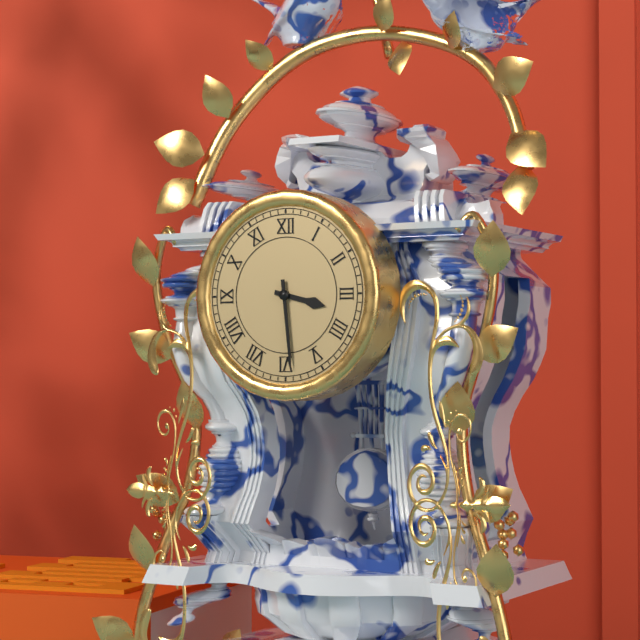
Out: 3h29
